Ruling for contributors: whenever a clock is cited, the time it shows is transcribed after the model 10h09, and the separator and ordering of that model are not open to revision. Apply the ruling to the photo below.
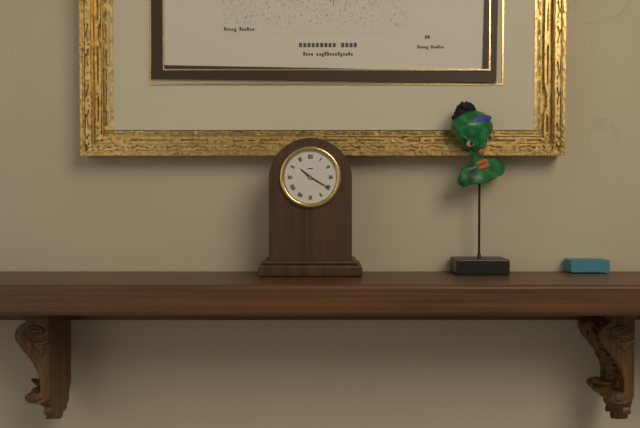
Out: 10h20
